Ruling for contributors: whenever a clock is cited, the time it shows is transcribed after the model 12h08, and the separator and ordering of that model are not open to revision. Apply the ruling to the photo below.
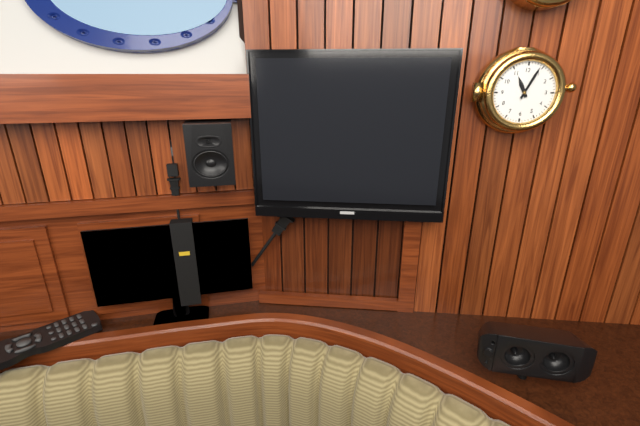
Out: 11h04
